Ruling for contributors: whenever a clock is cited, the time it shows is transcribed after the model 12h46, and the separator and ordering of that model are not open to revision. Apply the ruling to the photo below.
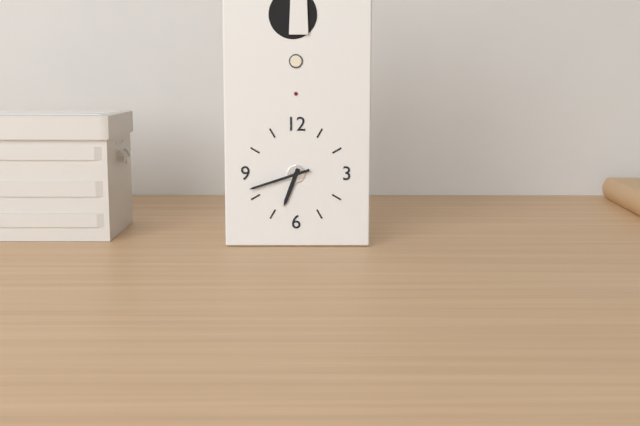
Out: 6h42
